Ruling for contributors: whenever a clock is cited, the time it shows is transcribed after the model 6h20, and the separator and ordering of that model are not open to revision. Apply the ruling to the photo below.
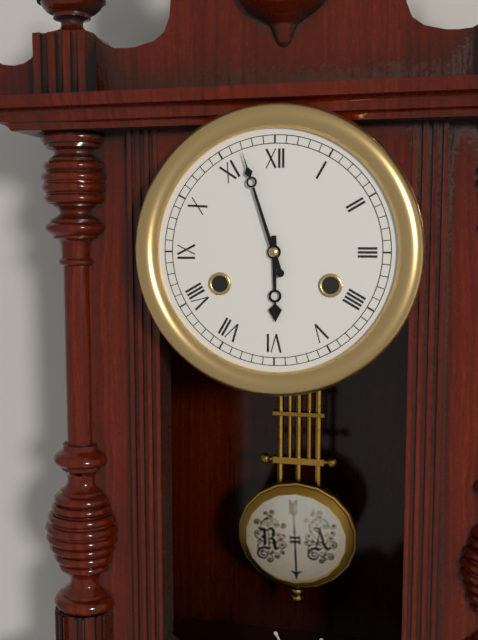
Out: 5h57
